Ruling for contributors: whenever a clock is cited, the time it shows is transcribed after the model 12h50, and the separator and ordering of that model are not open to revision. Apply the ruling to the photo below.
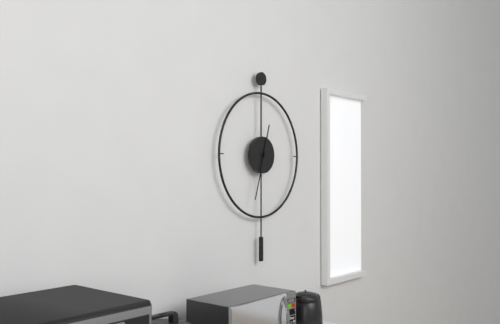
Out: 12h33
